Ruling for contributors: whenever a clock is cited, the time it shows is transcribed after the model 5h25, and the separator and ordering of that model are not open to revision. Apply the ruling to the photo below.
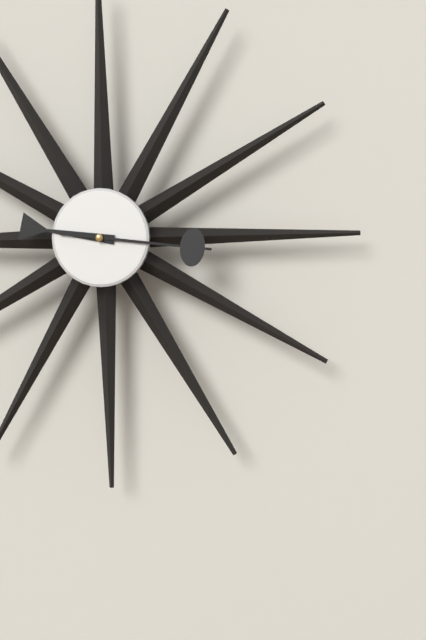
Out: 9h16
